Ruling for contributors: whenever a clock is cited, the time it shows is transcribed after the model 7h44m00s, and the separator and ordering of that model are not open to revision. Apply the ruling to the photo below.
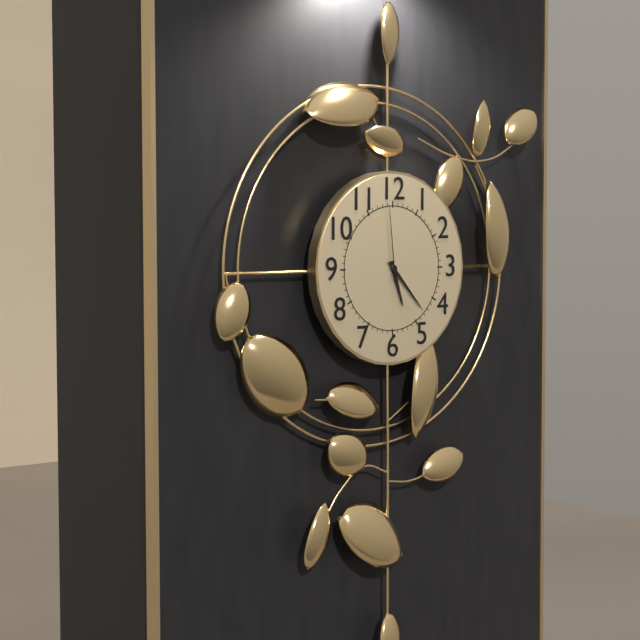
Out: 5h23m59s
